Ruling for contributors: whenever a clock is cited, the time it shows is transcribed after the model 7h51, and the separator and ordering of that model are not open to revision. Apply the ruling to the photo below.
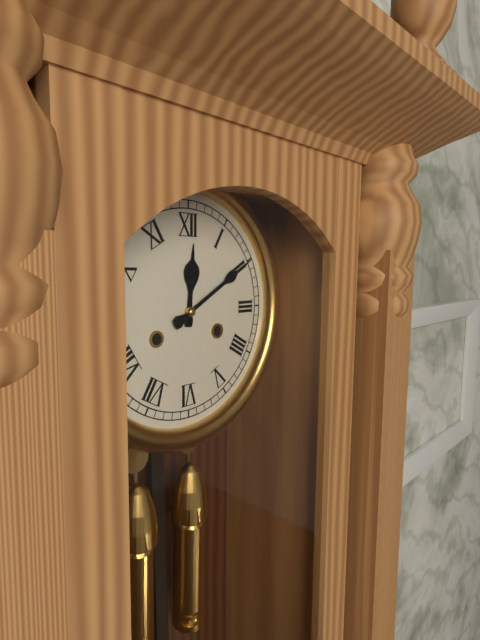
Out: 12h10
